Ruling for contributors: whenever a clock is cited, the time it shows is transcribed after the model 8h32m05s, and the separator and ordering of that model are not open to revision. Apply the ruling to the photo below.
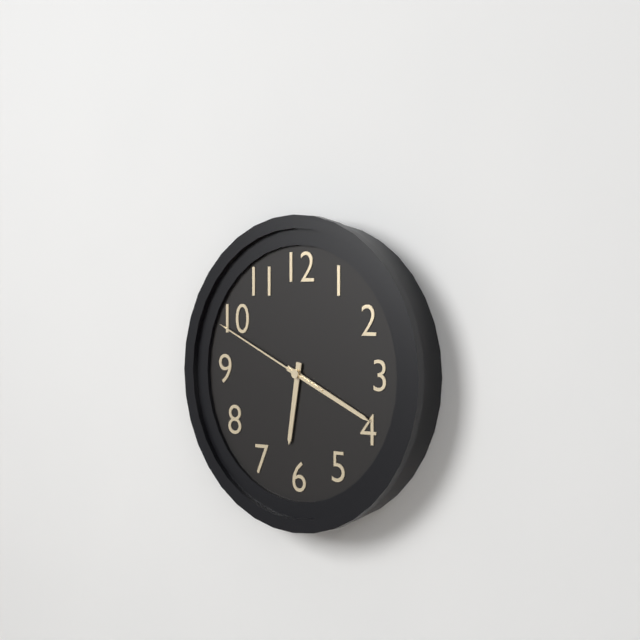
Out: 6h19m49s
